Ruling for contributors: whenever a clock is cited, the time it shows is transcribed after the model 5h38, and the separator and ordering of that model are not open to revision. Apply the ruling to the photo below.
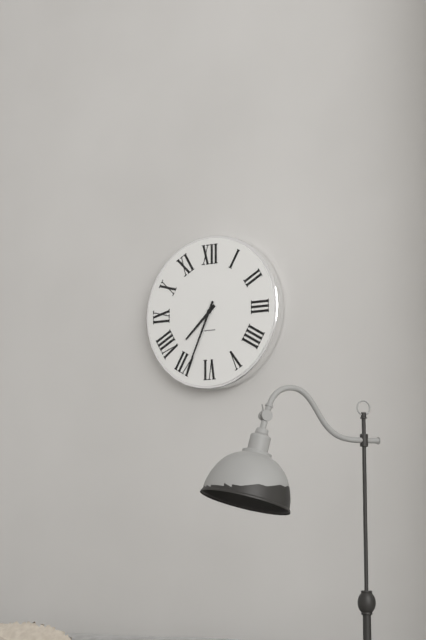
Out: 7h34
